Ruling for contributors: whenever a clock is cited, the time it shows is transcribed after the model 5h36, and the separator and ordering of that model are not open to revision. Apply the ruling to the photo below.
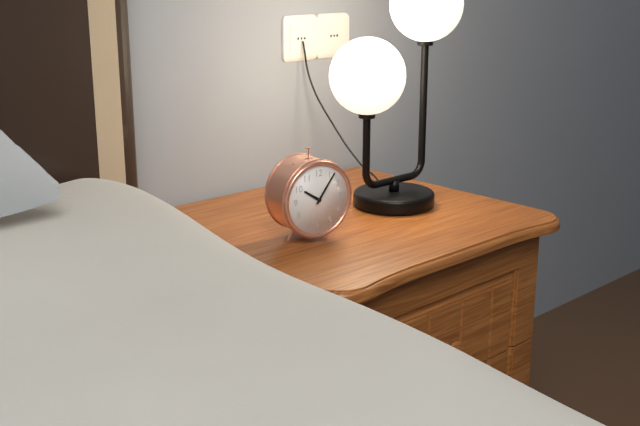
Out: 10h06
